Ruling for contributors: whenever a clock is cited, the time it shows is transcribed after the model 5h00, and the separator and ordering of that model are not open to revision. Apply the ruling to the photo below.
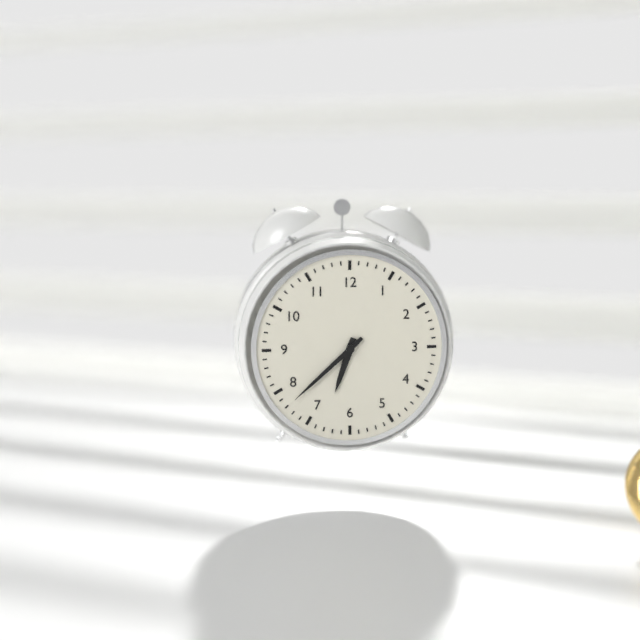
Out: 6h38
